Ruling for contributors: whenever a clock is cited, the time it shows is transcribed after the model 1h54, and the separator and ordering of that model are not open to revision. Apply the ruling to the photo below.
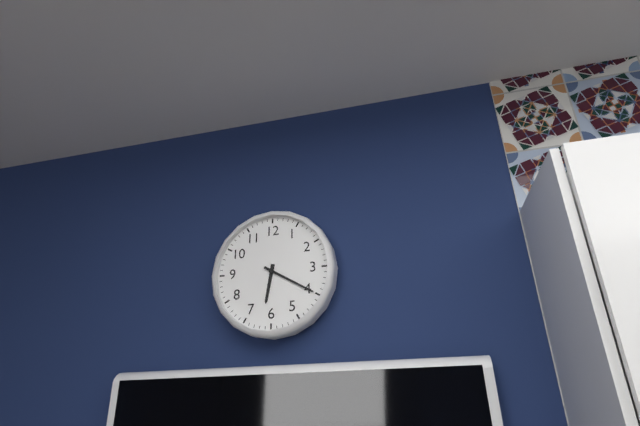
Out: 6h20
